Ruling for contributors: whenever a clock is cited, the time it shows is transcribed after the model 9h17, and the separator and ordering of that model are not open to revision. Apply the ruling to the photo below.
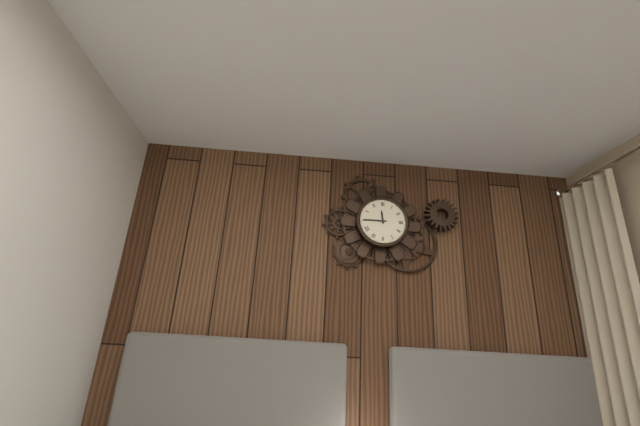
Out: 11h45
